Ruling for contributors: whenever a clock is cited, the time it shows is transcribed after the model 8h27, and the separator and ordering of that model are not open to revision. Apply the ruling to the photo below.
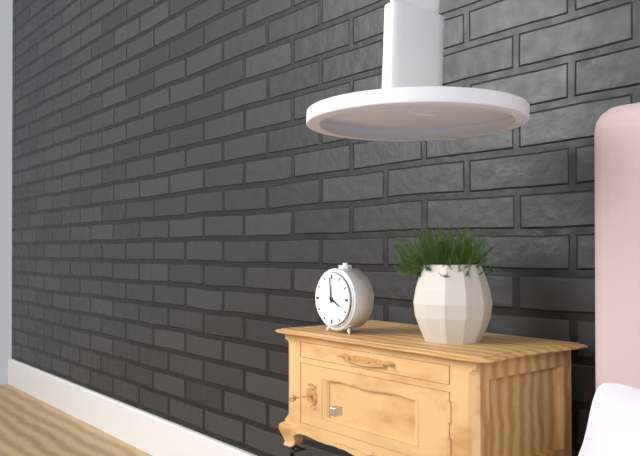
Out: 3h59
